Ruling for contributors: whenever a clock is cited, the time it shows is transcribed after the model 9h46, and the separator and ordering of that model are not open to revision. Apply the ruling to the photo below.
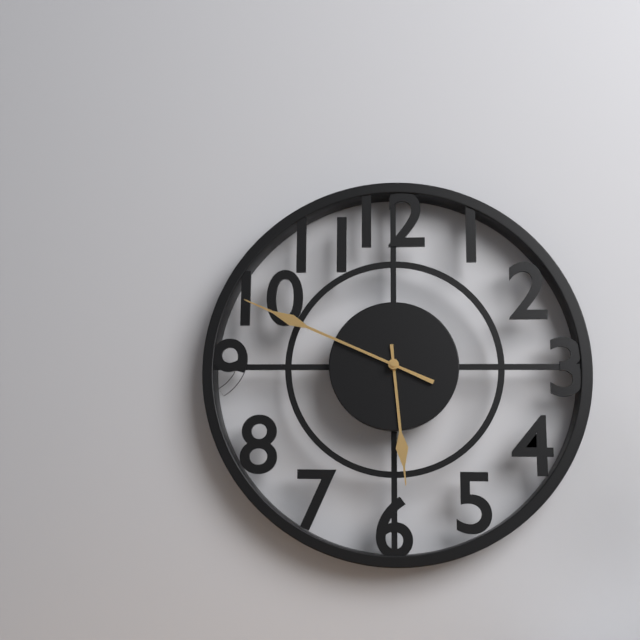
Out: 5h49
